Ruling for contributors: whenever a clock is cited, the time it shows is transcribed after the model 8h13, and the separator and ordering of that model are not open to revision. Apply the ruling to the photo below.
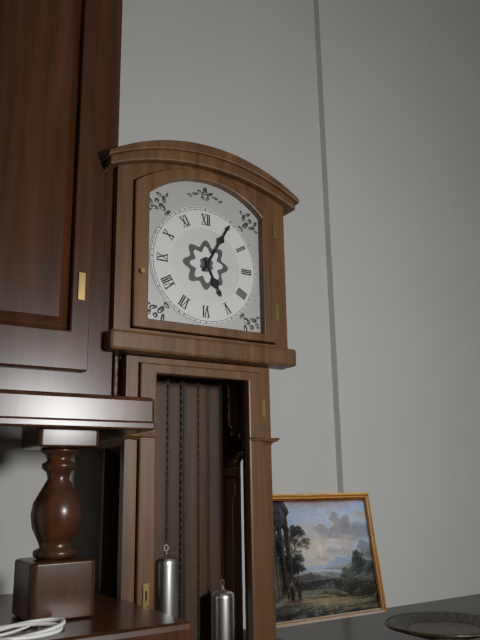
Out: 5h05
